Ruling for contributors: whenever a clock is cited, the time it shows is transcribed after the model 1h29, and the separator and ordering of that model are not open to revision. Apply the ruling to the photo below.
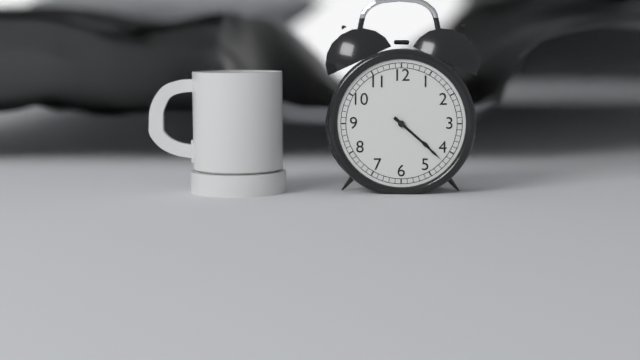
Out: 4h22
